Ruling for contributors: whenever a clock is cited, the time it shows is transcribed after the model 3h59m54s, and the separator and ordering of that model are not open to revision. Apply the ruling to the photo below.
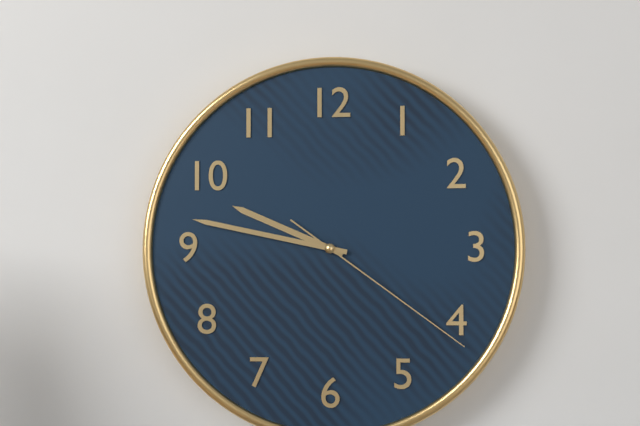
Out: 9h47m21s
